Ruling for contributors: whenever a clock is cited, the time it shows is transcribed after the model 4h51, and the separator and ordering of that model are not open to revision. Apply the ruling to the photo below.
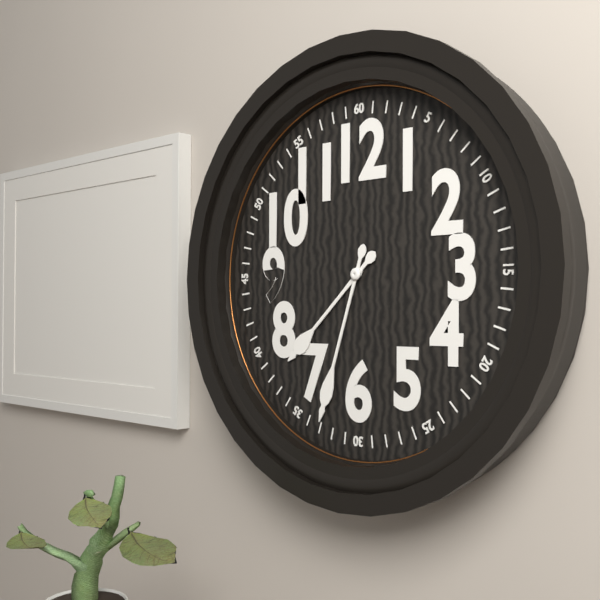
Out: 7h33
